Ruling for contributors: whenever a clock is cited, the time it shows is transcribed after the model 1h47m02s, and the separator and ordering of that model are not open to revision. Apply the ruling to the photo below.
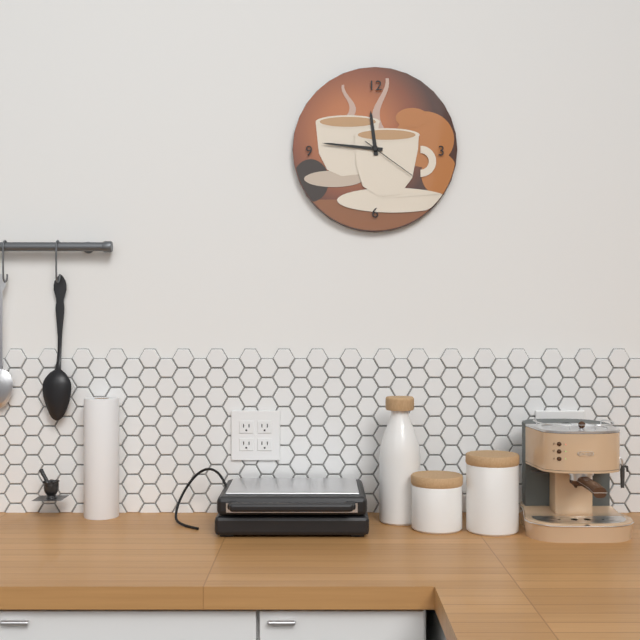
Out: 11h46m21s
